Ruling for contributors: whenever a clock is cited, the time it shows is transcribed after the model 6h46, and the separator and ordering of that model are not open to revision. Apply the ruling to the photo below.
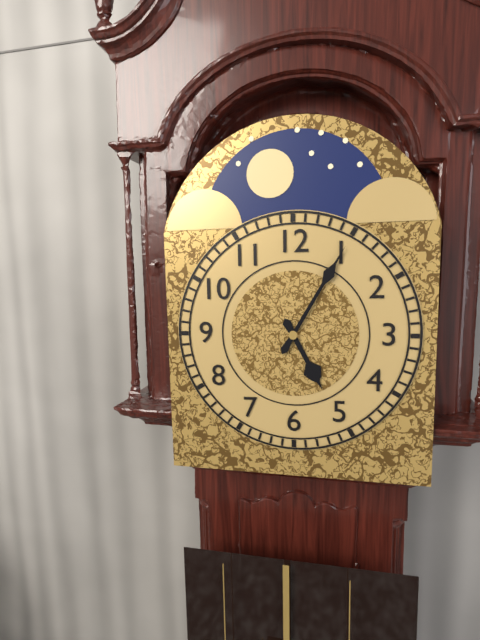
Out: 5h05
